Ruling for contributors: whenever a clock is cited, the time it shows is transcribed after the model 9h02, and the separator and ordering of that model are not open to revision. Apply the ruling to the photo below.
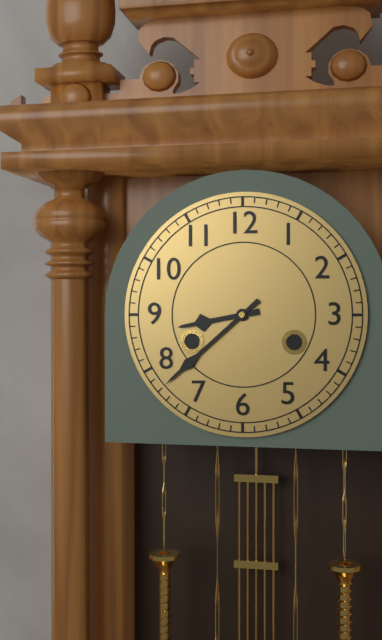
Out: 8h38
